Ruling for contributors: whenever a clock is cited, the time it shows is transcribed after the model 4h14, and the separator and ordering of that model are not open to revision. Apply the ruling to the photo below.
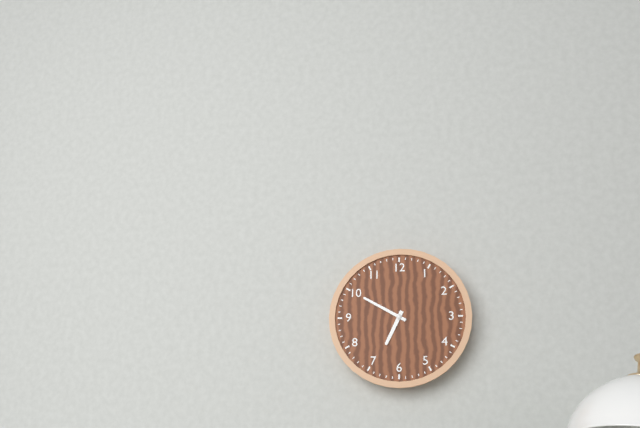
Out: 6h50
